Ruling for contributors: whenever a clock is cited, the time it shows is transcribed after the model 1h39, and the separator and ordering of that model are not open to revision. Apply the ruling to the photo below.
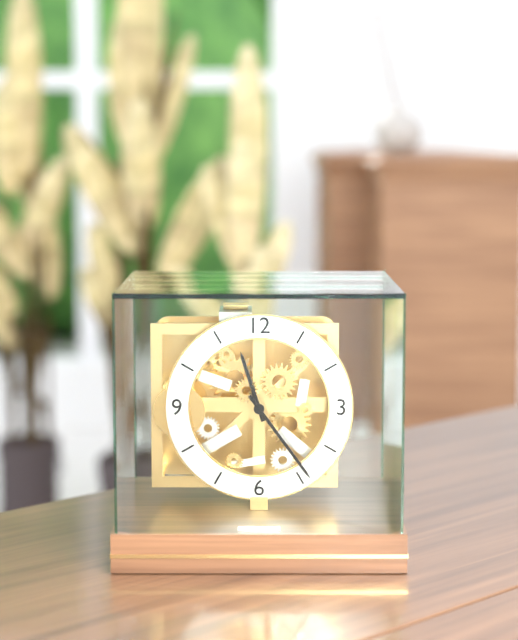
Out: 11h24
